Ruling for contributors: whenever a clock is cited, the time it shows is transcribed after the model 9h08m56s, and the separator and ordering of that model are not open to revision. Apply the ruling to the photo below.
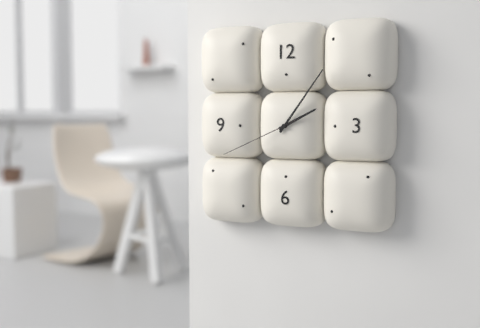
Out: 2h06m41s
